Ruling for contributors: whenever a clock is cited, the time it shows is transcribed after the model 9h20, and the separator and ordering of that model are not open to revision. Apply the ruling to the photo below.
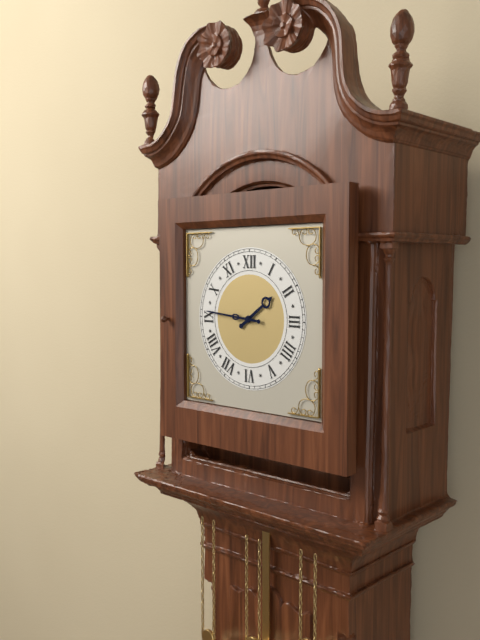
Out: 1h46
